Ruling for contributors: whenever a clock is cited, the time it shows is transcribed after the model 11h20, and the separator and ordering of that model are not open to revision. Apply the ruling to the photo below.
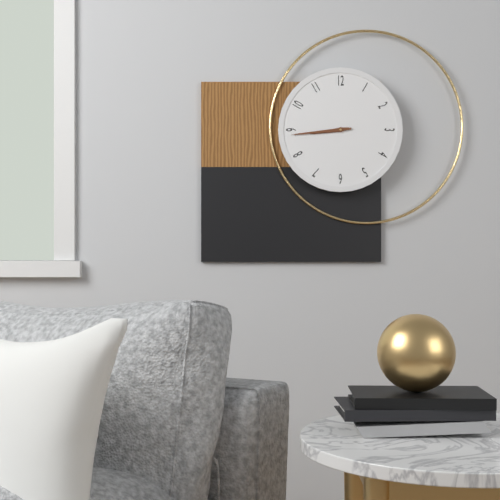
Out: 8h44
